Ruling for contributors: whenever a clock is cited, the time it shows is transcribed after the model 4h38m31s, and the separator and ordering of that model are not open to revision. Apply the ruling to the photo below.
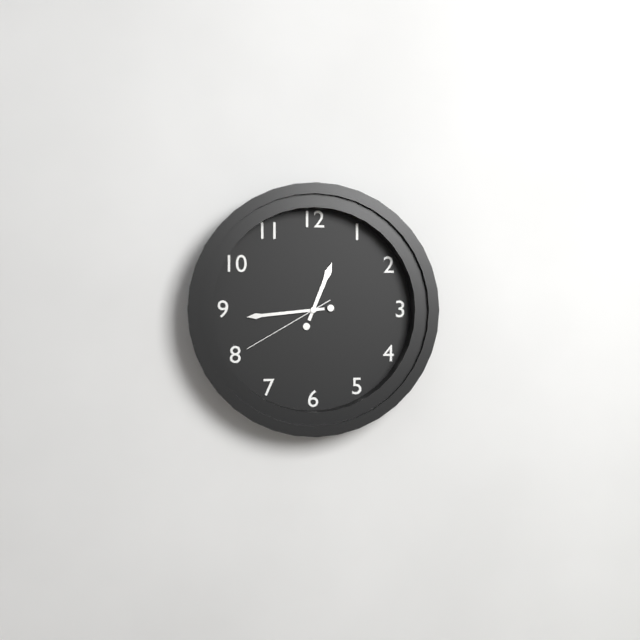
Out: 12h44m40s
